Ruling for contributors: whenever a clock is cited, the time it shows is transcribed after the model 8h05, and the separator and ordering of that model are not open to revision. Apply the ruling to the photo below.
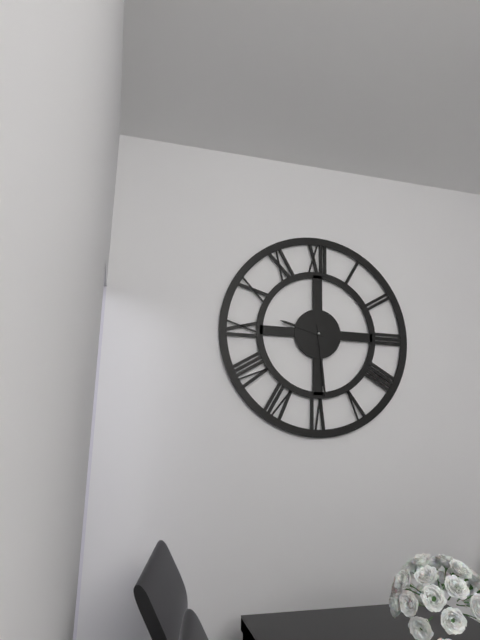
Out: 9h29
